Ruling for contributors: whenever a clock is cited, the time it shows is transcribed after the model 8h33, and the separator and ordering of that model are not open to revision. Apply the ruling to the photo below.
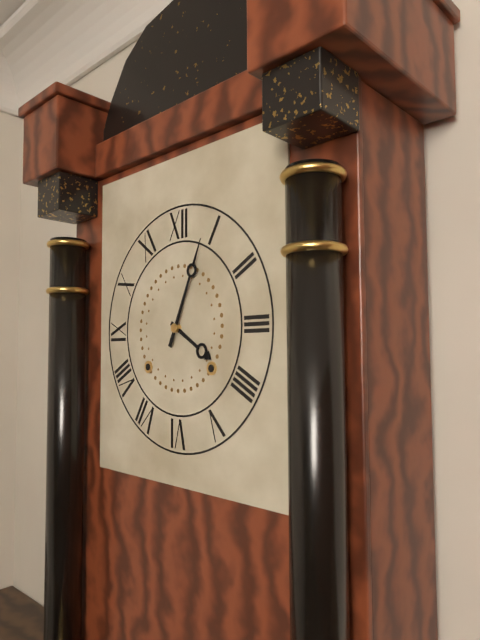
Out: 4h04
